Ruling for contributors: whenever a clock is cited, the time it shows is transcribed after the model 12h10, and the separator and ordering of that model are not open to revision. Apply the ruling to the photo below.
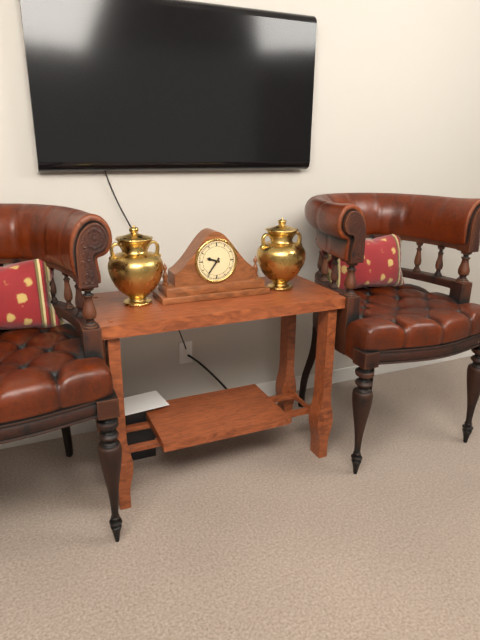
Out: 9h36
